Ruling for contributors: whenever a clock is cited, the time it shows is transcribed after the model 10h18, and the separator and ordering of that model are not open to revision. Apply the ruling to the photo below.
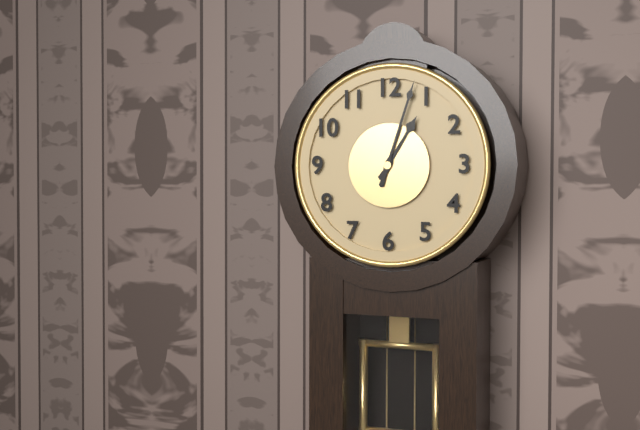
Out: 1h03
